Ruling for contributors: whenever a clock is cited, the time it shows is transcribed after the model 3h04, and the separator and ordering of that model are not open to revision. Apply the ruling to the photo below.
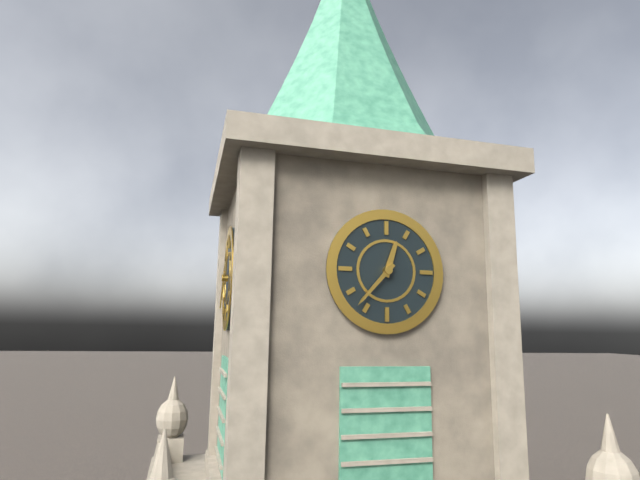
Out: 12h37
